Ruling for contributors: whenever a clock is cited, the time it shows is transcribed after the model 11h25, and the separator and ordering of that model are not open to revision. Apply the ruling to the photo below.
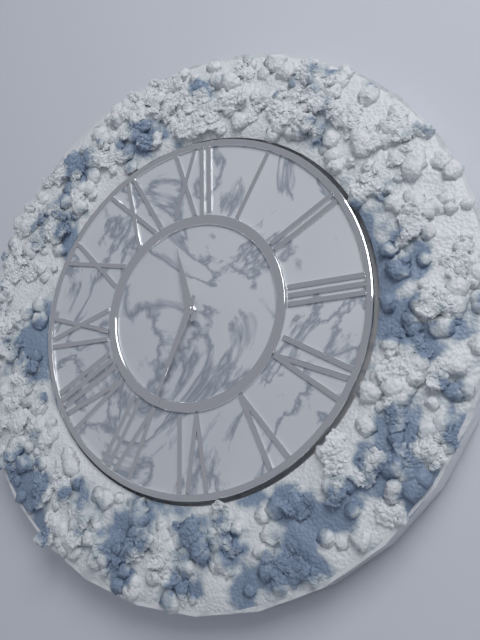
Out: 11h34
